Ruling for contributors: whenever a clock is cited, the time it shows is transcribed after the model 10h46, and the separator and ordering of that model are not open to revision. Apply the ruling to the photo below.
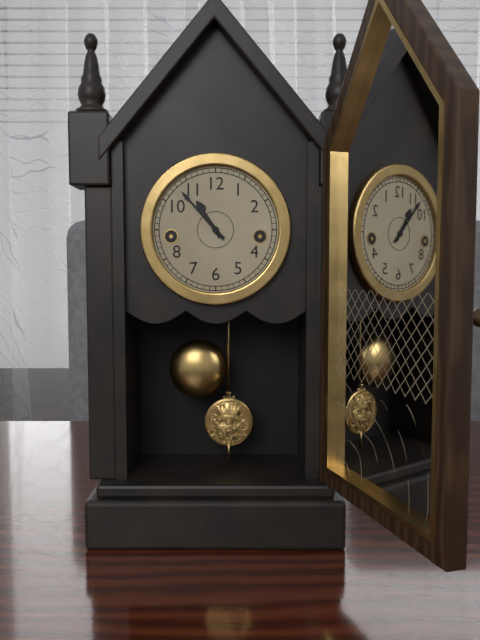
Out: 10h53
